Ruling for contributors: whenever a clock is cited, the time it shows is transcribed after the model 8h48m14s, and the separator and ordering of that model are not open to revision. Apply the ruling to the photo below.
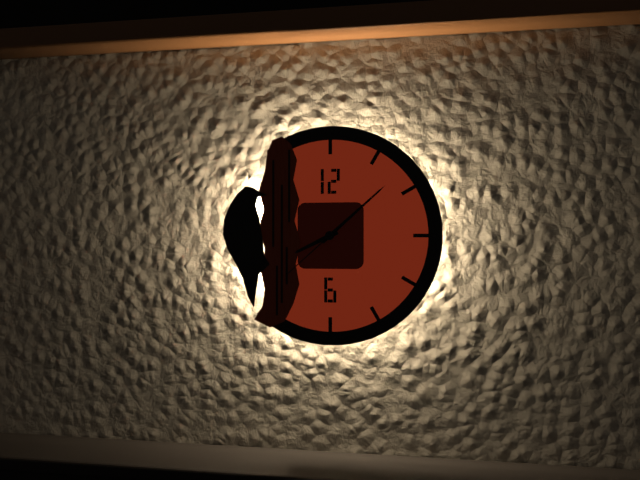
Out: 8h08m38s
